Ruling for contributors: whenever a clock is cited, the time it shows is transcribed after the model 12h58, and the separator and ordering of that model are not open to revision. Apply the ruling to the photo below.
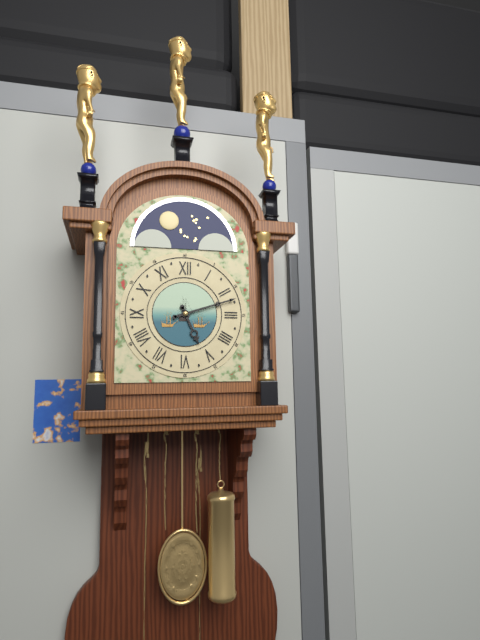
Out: 5h12
